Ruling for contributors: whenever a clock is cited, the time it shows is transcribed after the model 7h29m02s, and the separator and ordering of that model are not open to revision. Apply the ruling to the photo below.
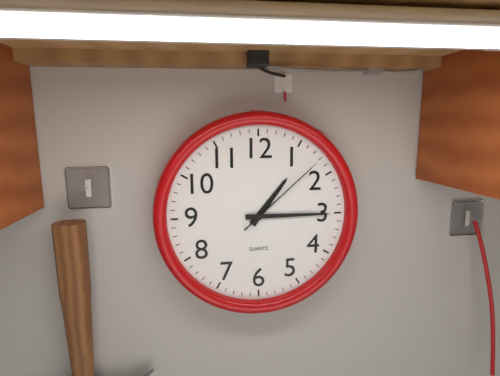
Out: 1h15m08s
